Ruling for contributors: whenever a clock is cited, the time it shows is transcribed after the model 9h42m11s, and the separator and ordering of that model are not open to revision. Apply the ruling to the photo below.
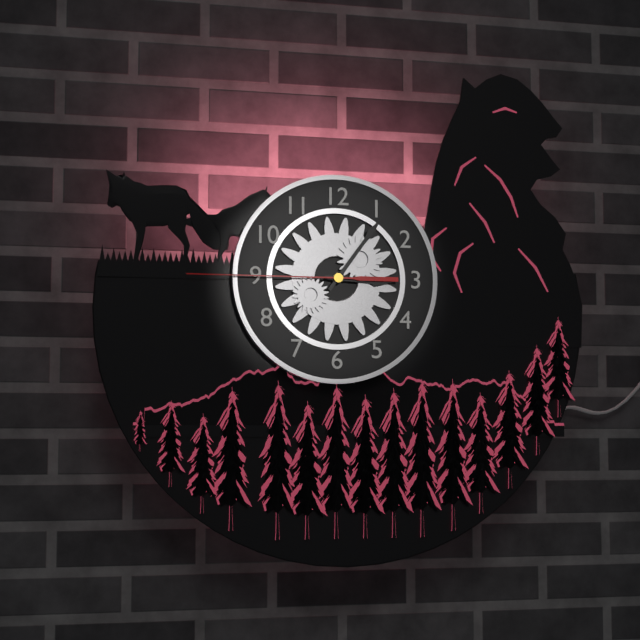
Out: 3h06m45s
